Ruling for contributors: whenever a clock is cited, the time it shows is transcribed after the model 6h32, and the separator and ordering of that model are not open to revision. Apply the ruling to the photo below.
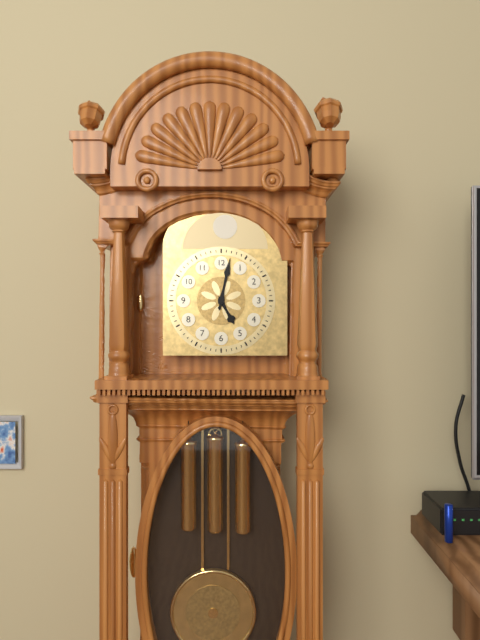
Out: 5h02
